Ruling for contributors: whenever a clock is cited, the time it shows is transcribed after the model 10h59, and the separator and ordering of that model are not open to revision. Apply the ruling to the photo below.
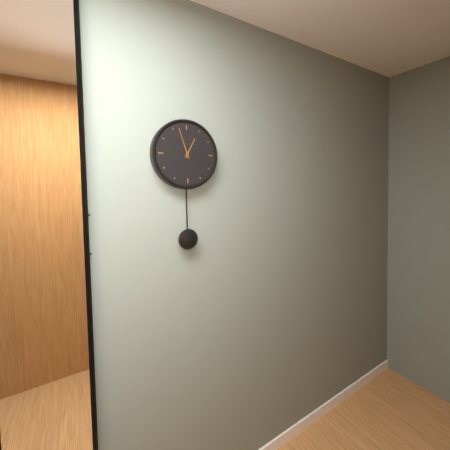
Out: 12h57
